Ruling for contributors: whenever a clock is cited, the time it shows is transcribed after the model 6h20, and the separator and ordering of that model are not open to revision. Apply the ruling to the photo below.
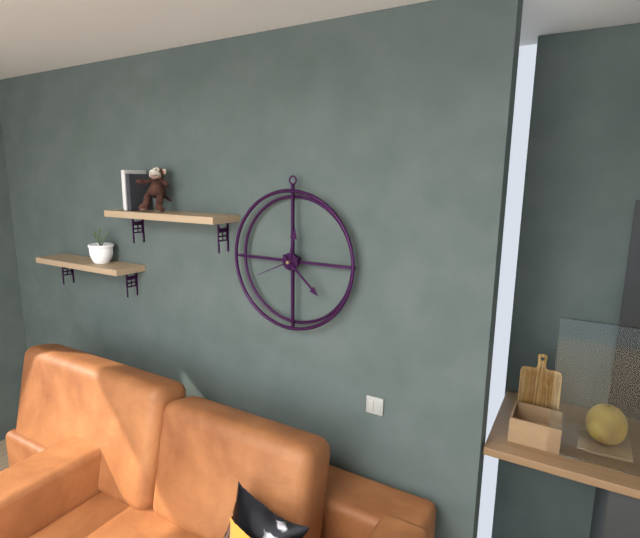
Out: 12h22
